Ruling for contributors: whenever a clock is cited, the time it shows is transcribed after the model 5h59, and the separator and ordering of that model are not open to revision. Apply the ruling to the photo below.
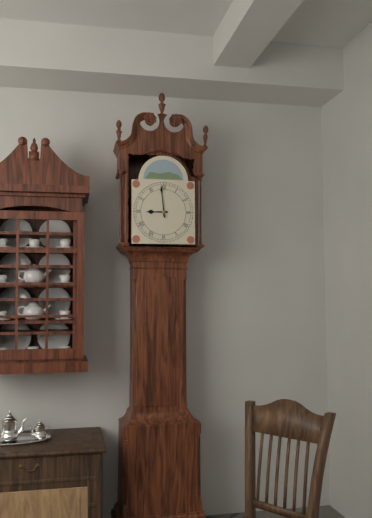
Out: 8h59
